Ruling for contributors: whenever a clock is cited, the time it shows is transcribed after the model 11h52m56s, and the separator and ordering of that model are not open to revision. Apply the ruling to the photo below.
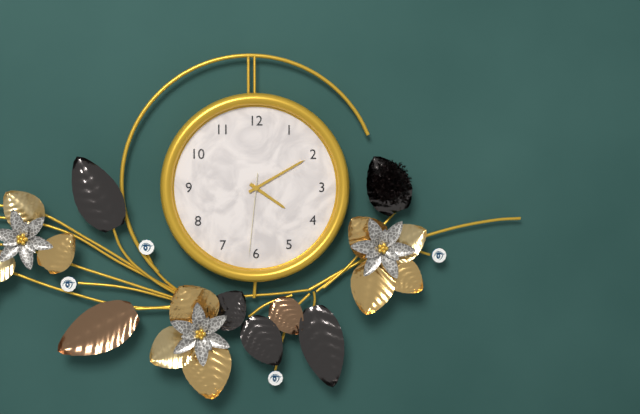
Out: 4h10m31s
